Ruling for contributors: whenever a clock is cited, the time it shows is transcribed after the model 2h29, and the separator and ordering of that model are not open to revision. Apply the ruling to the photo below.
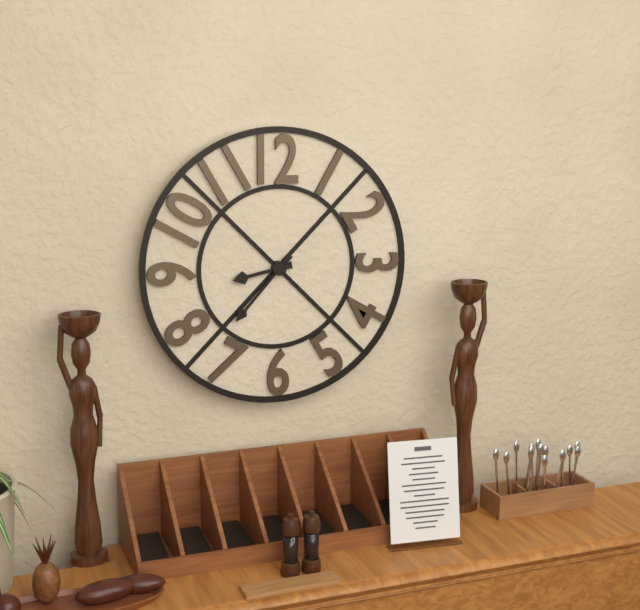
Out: 8h37
